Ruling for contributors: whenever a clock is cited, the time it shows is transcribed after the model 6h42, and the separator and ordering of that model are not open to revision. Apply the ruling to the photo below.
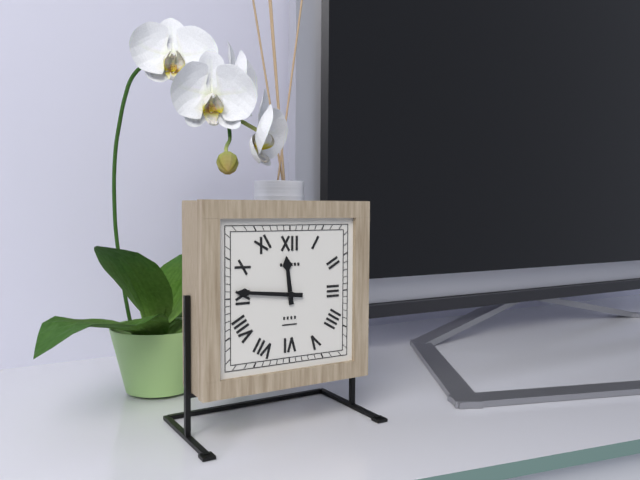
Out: 11h46
